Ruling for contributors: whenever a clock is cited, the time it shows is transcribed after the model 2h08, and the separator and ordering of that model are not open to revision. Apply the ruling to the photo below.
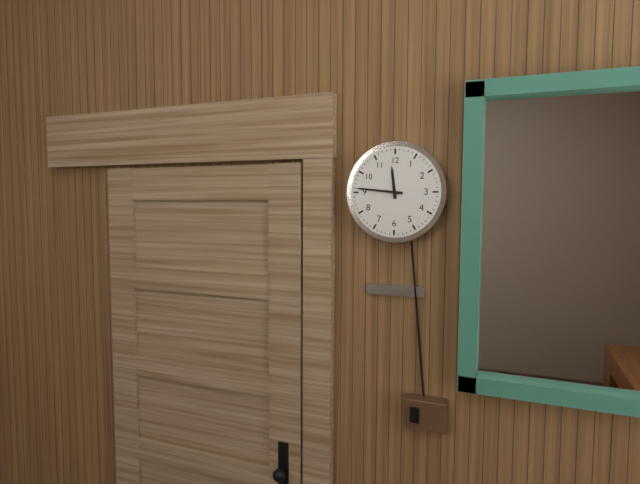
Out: 11h46
